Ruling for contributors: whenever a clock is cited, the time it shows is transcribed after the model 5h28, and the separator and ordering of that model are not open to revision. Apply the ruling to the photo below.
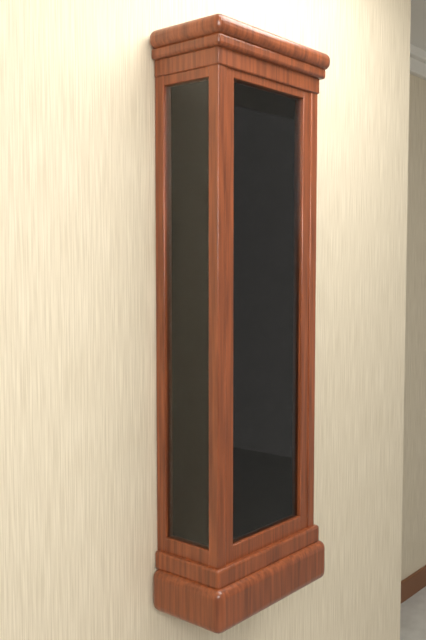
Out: 8h36
